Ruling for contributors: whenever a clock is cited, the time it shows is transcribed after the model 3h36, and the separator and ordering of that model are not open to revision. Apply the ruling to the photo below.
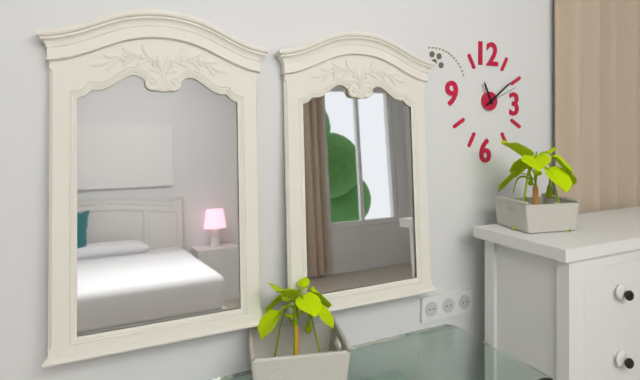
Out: 11h09
